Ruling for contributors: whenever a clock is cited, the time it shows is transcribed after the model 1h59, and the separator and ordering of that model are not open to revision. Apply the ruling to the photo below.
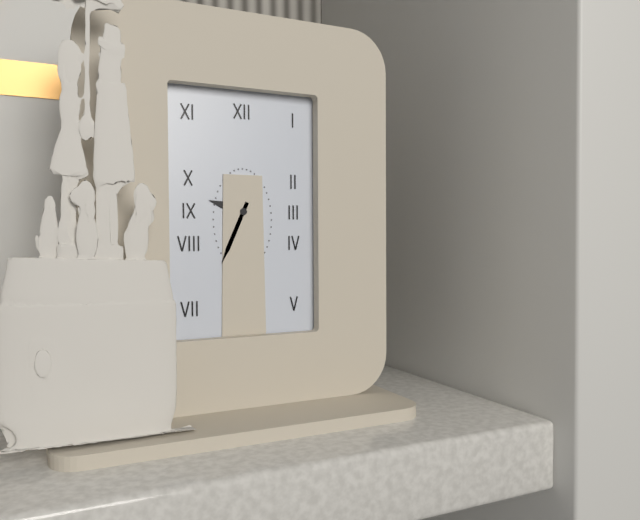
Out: 9h34
